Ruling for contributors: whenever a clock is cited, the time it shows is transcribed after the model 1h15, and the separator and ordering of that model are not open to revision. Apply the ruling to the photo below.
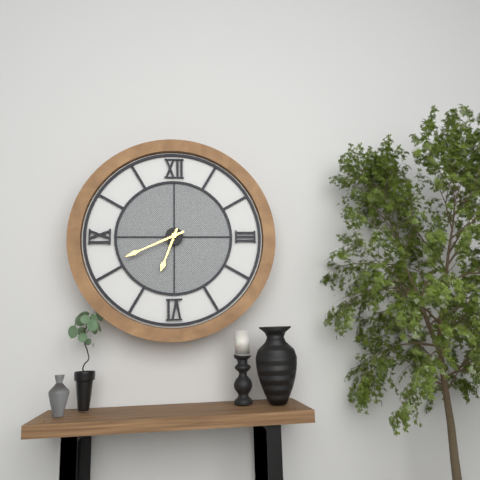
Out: 6h41
